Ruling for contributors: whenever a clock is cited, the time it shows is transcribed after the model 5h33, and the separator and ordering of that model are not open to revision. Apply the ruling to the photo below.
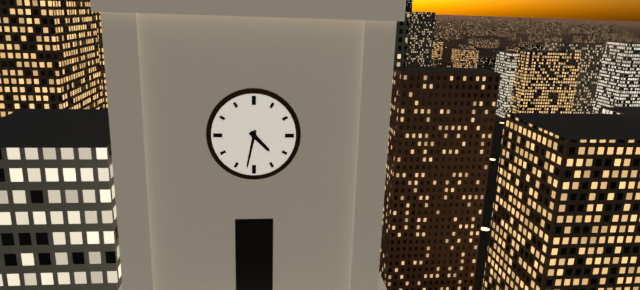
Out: 4h32
